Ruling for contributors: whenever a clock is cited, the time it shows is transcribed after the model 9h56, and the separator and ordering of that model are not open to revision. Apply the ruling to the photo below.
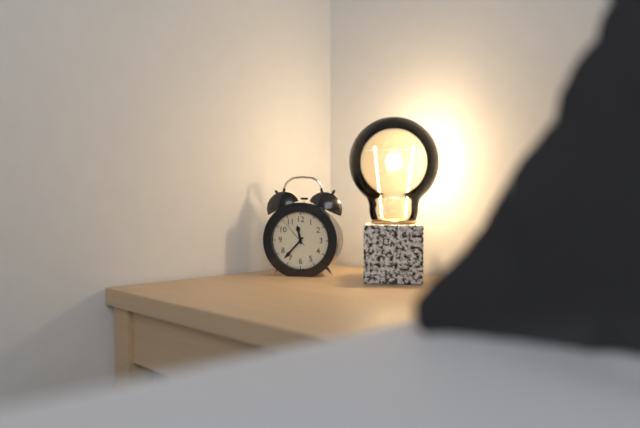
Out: 11h37
